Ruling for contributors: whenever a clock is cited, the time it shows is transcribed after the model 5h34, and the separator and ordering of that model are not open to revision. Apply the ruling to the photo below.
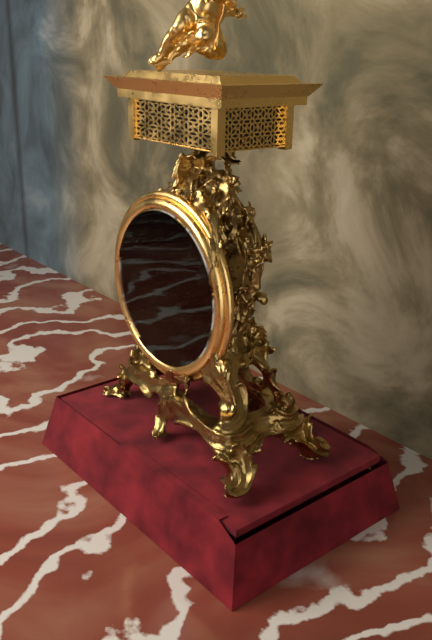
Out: 1h23
